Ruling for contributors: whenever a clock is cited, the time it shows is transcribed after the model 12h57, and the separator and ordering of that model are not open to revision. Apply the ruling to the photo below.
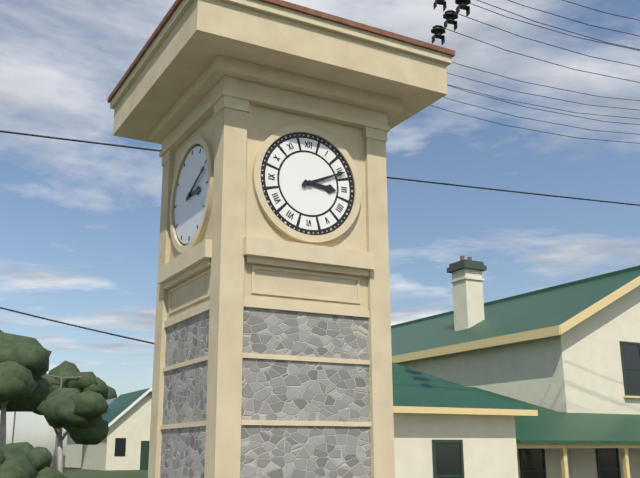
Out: 3h11
